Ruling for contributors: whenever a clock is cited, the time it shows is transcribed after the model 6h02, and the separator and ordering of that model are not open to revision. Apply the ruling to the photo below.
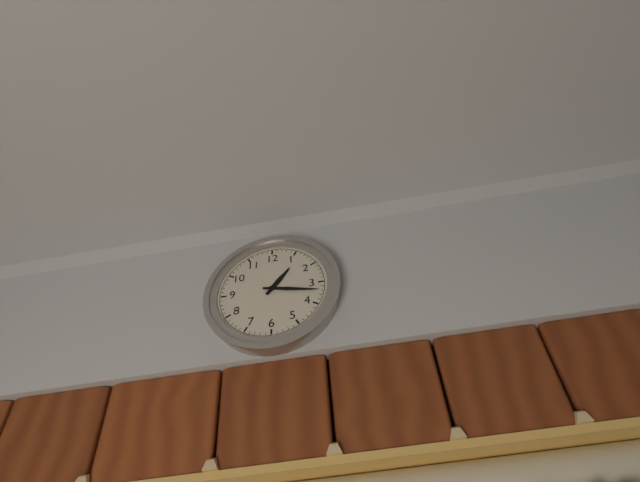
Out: 1h17
